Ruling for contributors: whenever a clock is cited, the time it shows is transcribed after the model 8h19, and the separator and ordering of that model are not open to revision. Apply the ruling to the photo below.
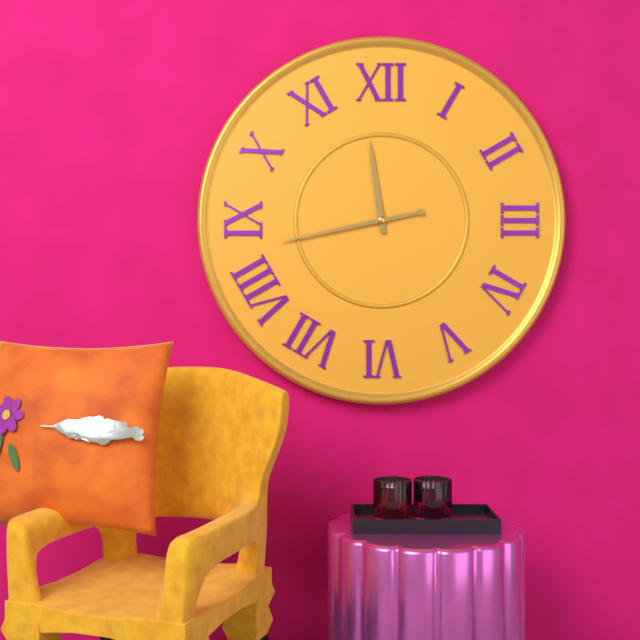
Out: 11h43
